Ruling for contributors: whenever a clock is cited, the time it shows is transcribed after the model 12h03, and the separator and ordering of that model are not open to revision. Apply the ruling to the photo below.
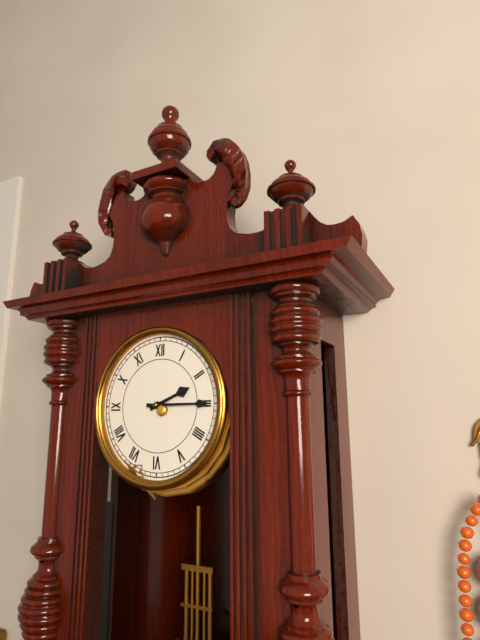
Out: 2h15
